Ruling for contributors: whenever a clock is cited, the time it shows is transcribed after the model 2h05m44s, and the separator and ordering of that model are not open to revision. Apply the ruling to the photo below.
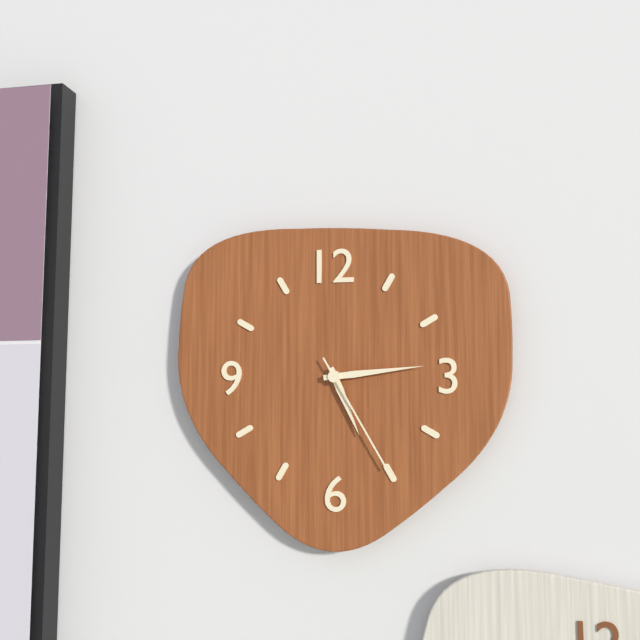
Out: 5h14m25s
